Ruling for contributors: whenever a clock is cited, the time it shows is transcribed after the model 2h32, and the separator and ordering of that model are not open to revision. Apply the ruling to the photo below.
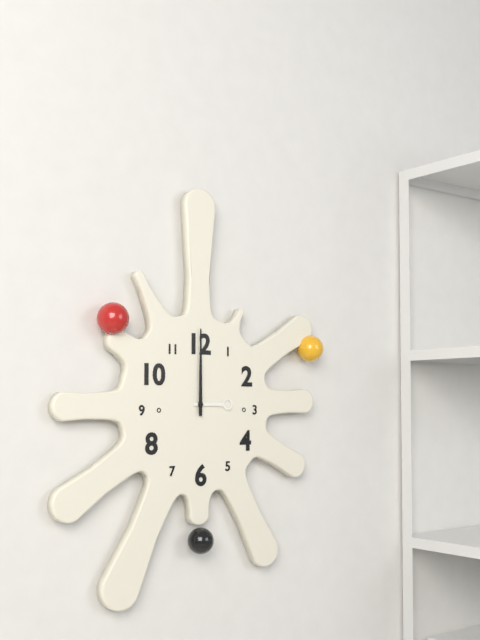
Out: 3h00
